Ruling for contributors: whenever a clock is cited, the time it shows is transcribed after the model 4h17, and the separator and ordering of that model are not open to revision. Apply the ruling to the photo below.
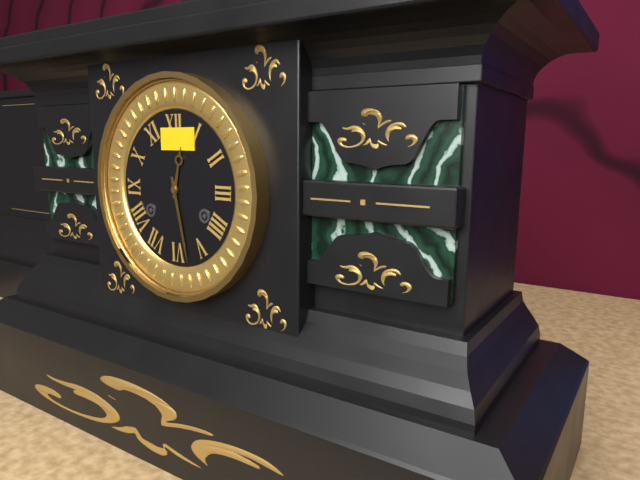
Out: 12h28
